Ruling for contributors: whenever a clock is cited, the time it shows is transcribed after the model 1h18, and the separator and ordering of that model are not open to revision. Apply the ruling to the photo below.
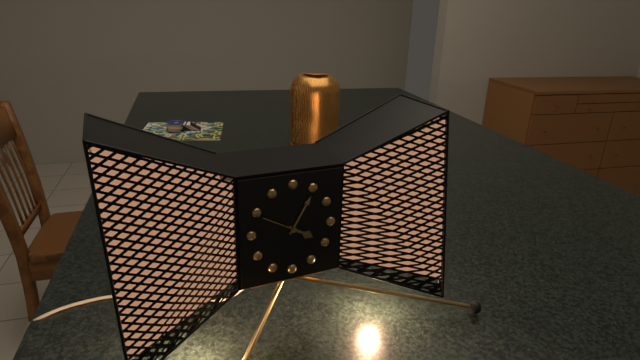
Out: 4h05
